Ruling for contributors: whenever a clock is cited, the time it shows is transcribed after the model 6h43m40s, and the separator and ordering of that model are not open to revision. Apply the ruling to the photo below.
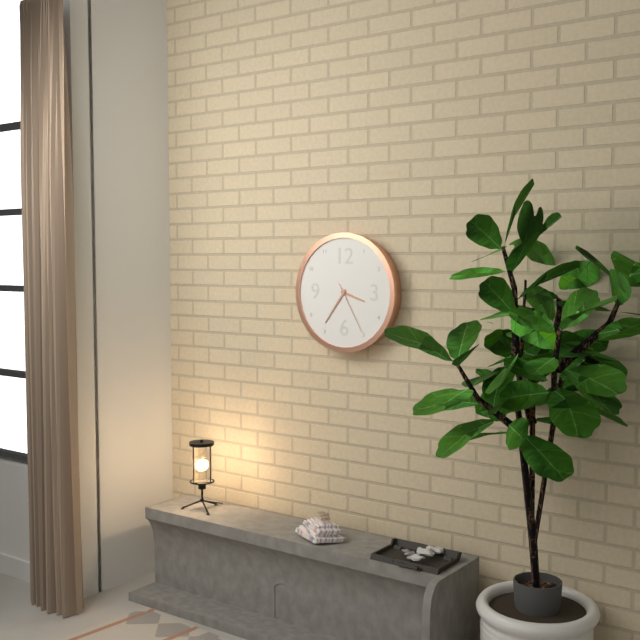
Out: 3h36m25s
